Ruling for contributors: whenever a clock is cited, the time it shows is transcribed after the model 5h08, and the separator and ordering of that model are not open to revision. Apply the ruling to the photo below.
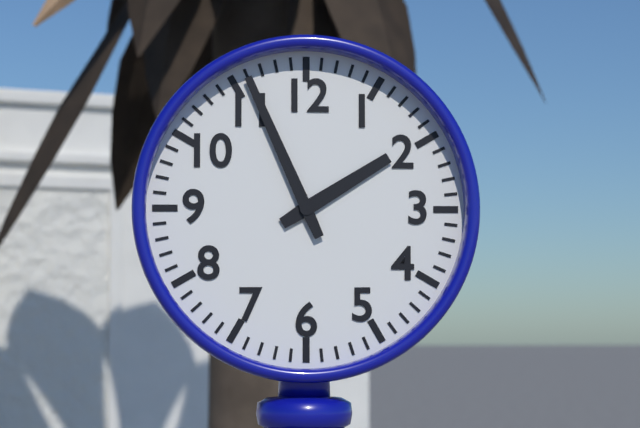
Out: 1h56
